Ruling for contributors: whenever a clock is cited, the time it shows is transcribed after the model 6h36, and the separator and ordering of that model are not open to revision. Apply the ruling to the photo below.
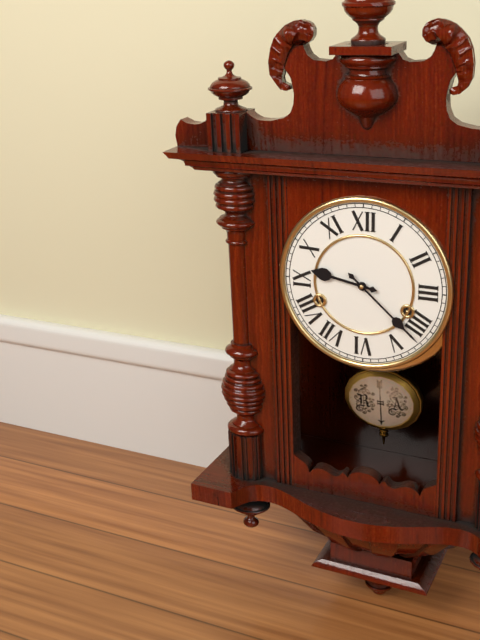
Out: 9h22
